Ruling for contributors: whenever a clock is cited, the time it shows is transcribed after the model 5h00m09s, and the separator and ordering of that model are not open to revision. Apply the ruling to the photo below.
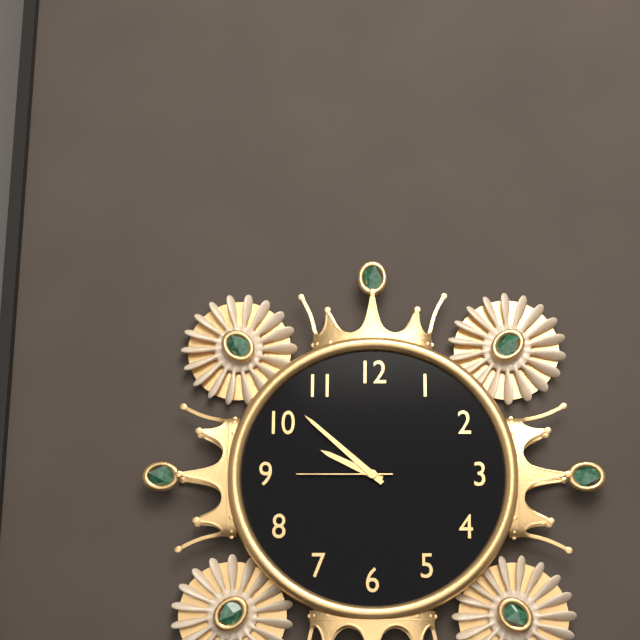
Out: 9h52m45s
